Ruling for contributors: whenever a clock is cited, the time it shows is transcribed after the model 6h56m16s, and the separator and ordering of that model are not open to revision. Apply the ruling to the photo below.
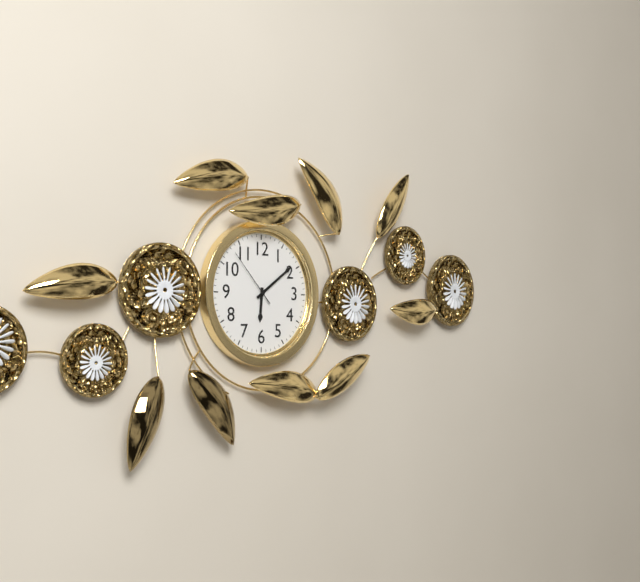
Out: 6h09m53s
